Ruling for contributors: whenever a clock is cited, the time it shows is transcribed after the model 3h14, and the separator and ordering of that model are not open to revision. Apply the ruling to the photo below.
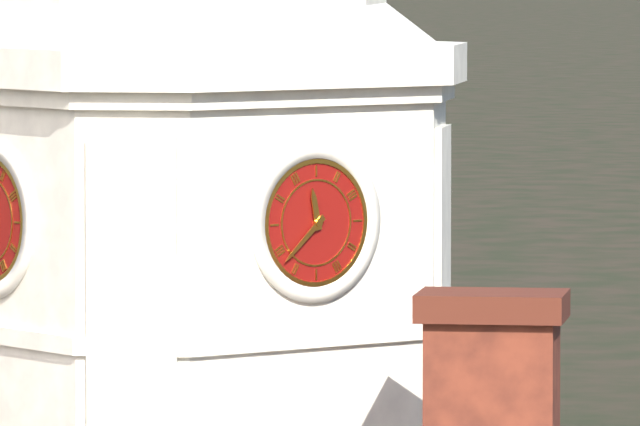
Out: 11h38
